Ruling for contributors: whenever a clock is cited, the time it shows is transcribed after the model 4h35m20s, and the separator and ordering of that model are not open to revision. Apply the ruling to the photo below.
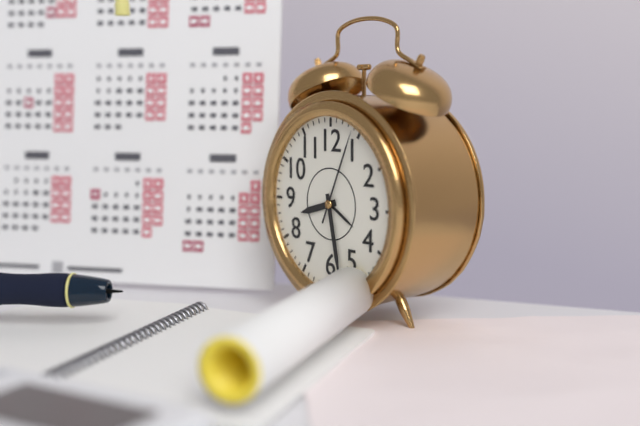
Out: 8h28m04s
